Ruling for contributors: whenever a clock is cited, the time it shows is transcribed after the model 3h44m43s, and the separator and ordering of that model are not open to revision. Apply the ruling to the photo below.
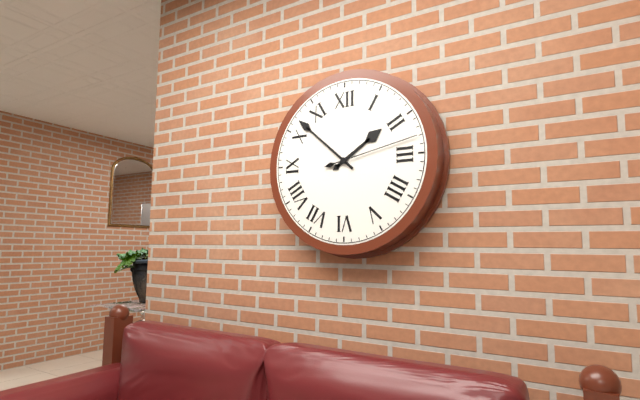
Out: 1h52m13s
